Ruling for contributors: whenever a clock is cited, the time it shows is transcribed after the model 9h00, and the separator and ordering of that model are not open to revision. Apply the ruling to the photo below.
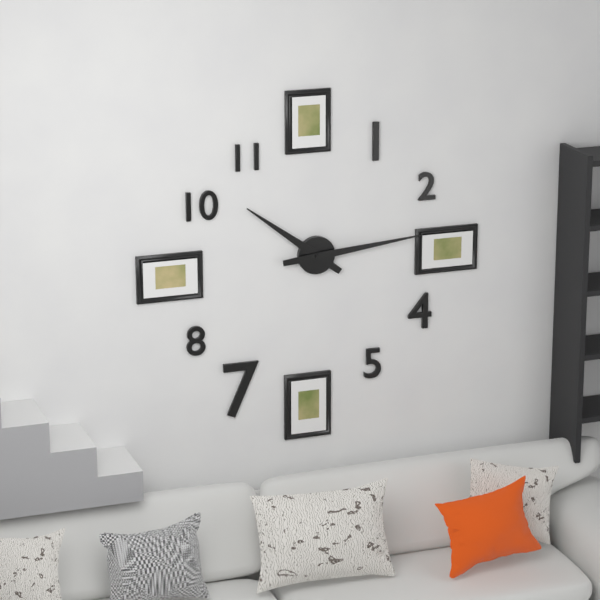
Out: 10h14
